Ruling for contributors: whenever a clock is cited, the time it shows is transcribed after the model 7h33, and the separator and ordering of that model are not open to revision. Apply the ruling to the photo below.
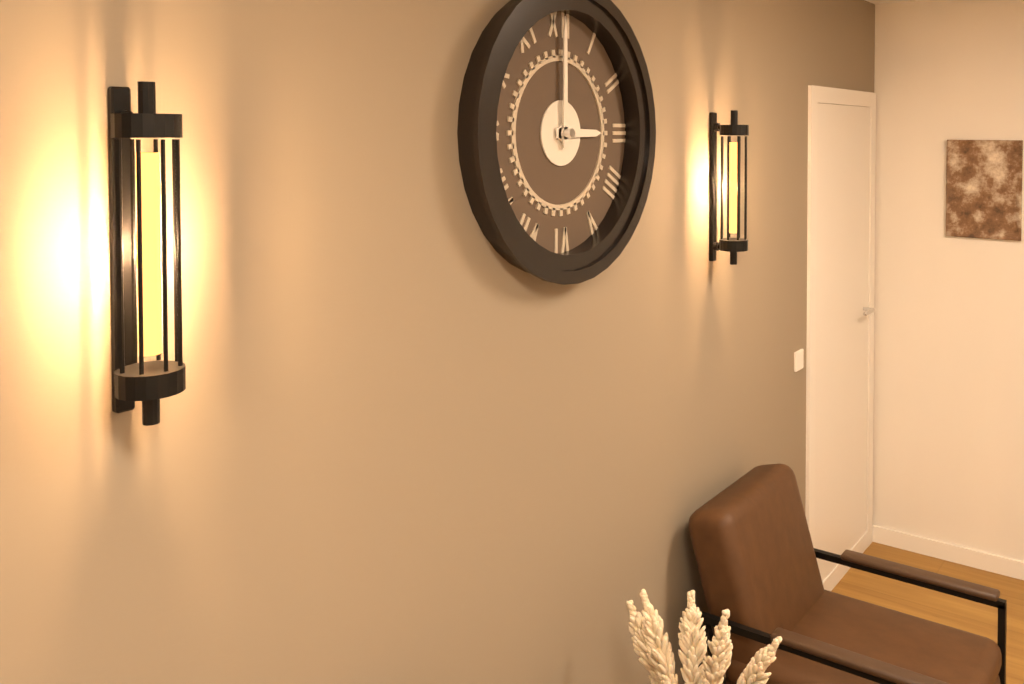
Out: 3h00
